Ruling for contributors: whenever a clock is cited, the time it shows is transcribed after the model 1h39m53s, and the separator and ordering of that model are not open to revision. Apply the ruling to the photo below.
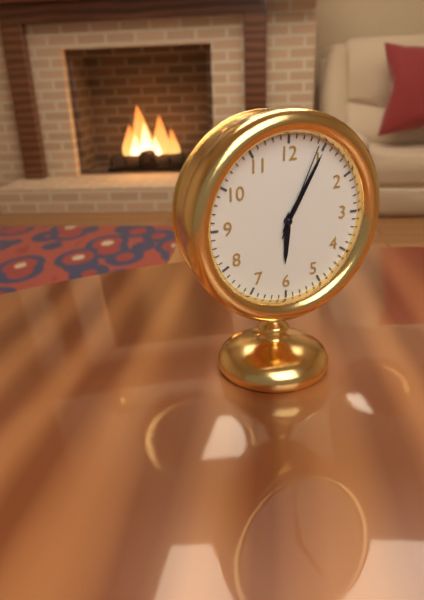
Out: 6h05m04s
